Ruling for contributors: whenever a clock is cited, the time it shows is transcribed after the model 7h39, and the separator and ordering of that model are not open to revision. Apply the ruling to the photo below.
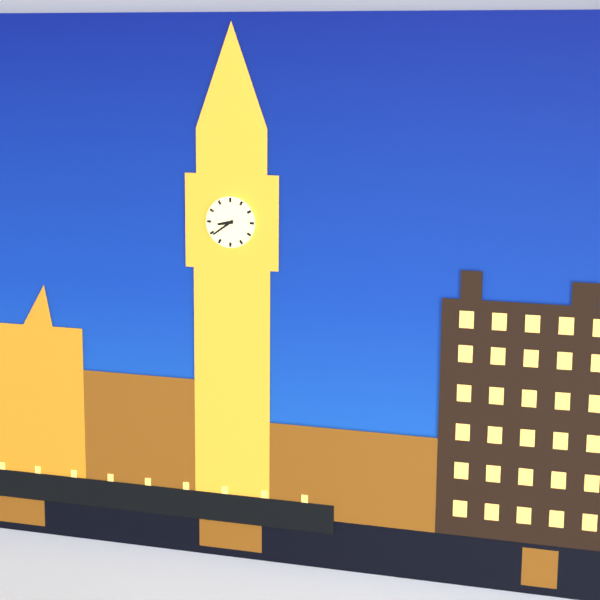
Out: 8h39
